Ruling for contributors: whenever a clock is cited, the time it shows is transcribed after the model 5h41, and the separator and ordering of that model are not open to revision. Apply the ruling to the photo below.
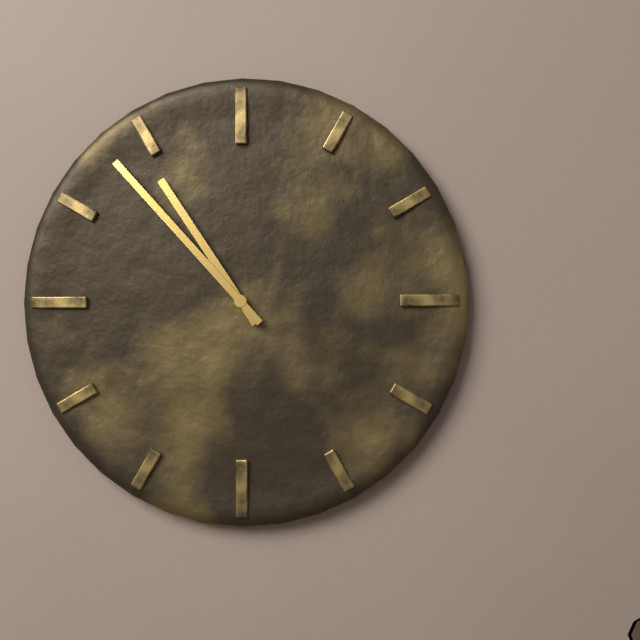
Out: 10h53
